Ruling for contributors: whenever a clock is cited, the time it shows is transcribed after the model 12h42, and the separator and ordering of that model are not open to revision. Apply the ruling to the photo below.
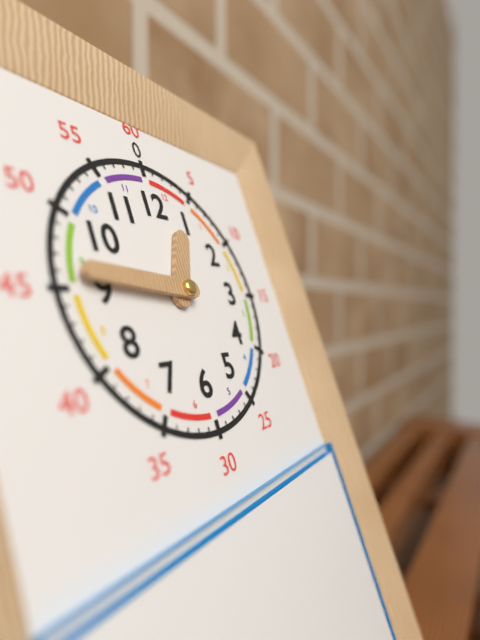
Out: 12h46
